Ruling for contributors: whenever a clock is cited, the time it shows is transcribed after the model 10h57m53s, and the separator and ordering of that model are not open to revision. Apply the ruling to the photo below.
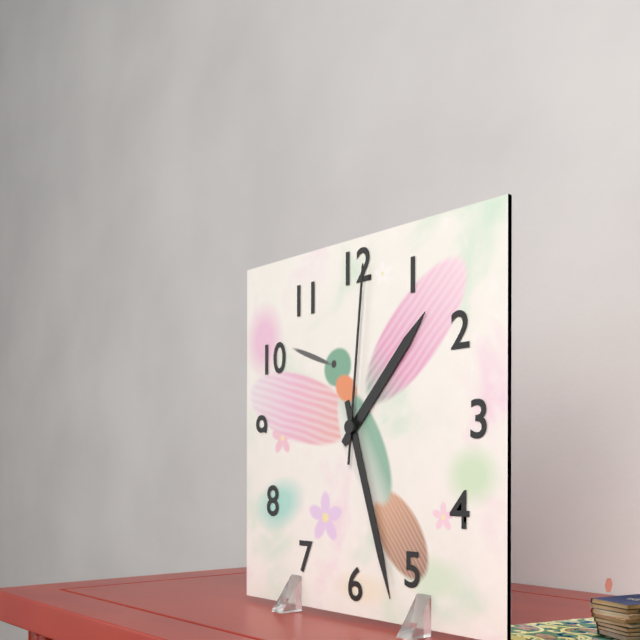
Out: 1h27m01s
